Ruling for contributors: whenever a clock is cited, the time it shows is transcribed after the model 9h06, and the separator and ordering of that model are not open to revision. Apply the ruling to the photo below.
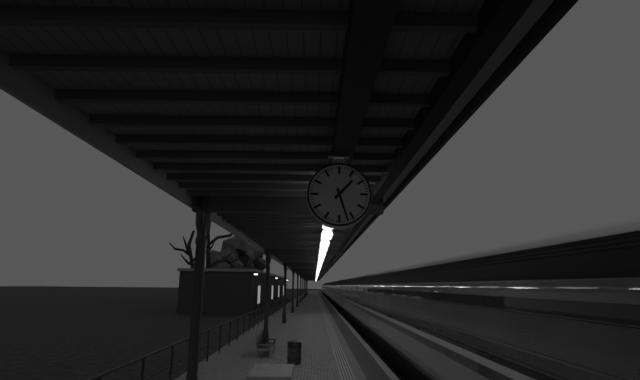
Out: 1h27
